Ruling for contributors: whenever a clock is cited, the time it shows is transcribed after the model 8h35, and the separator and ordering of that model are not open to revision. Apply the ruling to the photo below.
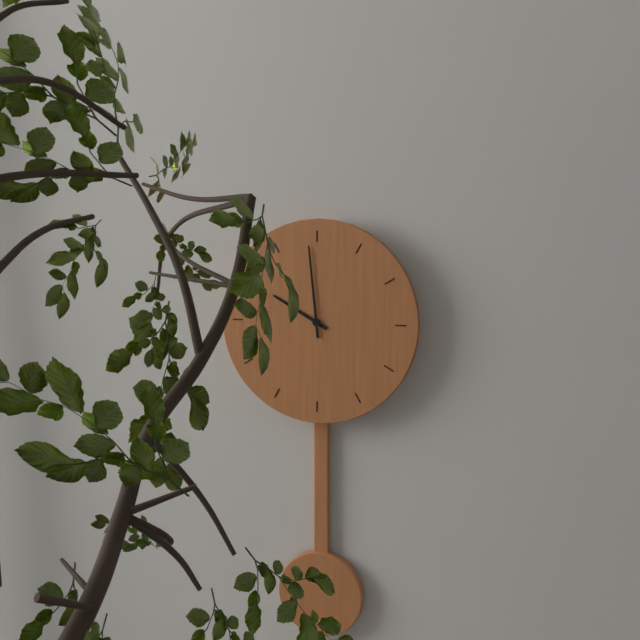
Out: 9h59
